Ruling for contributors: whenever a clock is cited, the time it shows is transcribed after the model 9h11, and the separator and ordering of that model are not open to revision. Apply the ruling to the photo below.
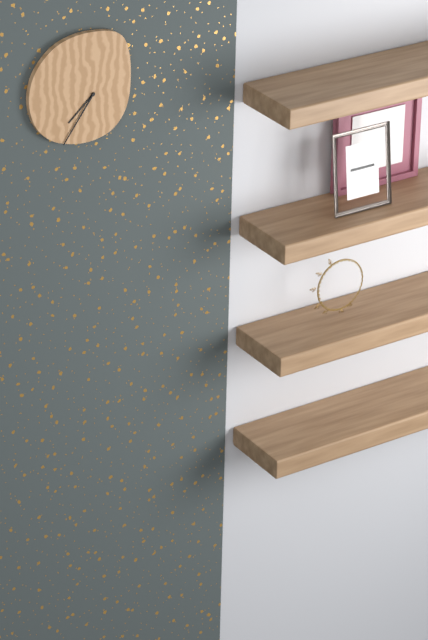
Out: 7h36
